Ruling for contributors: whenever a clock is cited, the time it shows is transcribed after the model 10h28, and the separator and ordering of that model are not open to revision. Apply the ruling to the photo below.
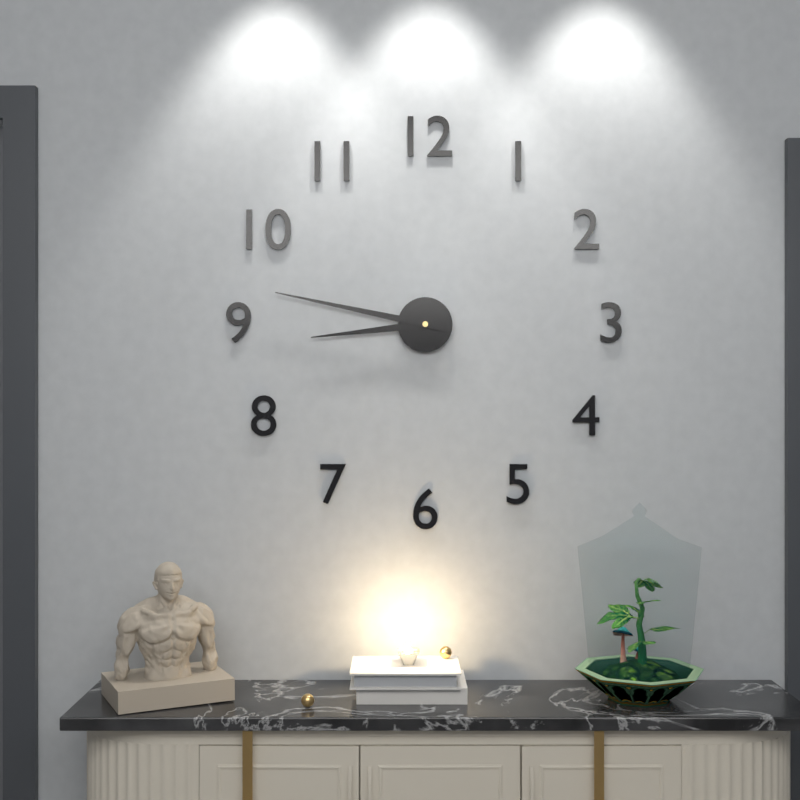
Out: 8h47
